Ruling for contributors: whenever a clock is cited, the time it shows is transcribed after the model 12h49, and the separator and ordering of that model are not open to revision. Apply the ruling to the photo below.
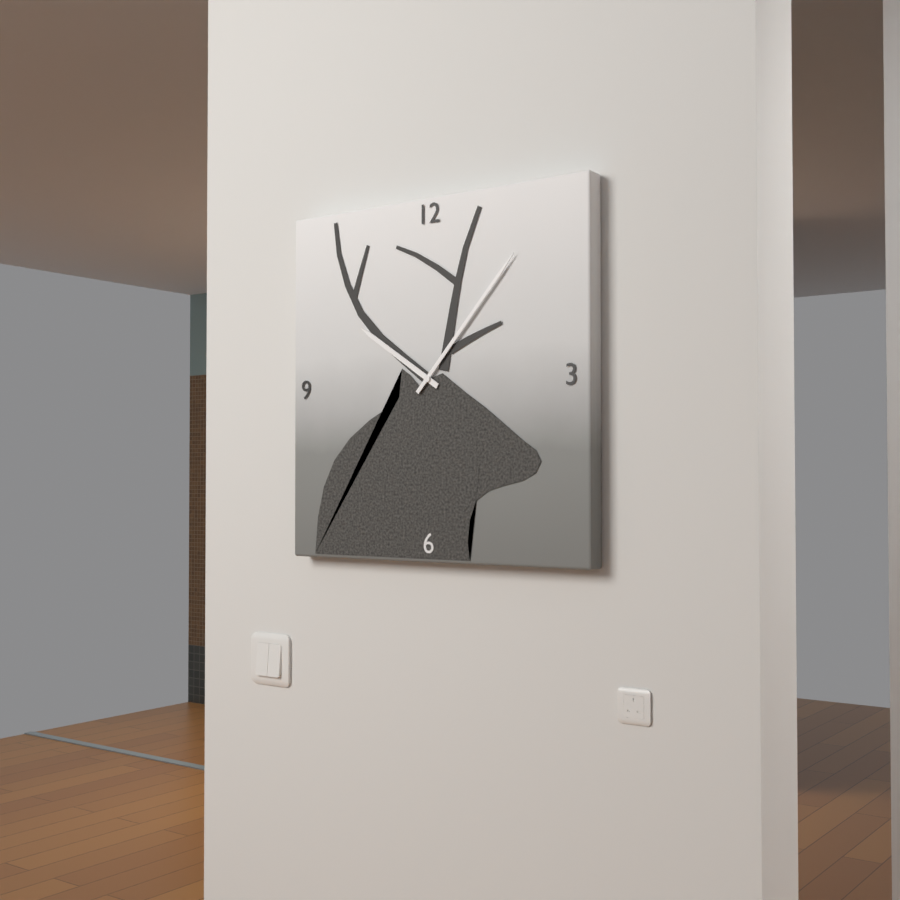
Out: 10h07
